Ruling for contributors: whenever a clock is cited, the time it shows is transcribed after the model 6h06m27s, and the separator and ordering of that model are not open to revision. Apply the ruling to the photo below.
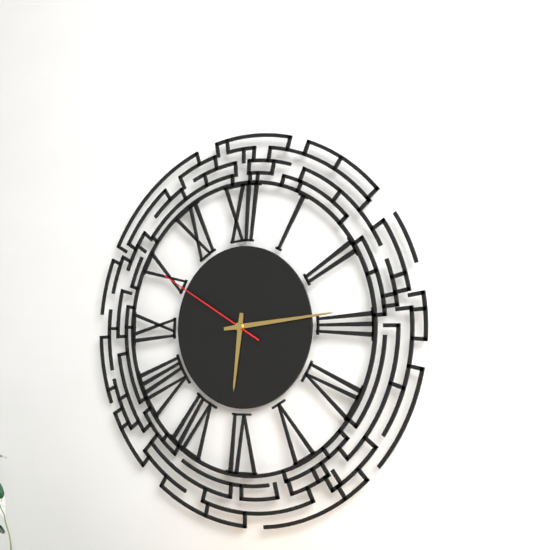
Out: 6h14m50s
